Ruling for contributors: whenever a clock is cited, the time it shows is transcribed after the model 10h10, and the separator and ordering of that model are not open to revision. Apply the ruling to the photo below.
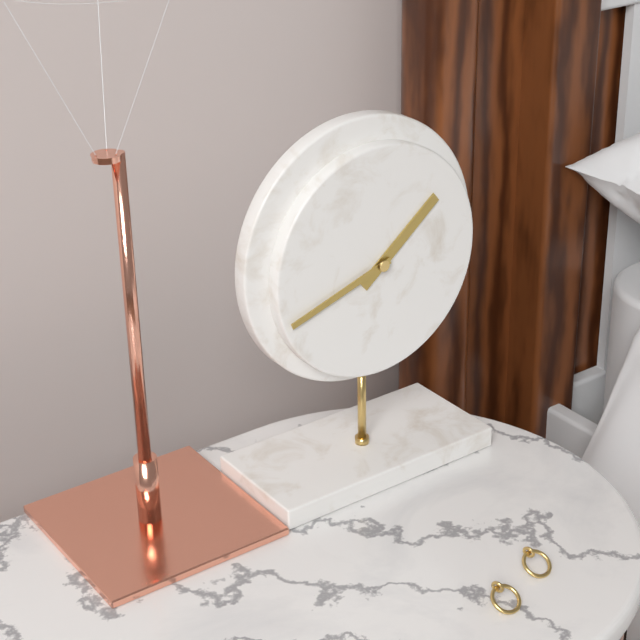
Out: 1h42
